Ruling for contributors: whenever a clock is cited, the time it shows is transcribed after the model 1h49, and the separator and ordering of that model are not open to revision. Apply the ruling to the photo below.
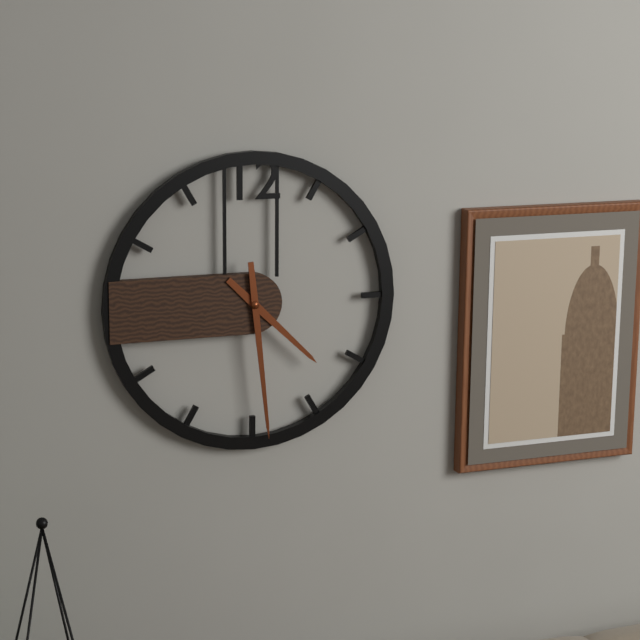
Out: 4h29
